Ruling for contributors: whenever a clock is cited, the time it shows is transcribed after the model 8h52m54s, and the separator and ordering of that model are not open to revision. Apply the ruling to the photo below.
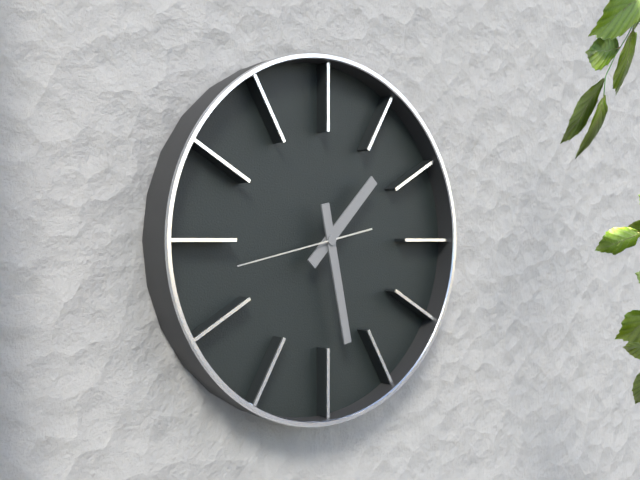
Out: 1h28m43s
